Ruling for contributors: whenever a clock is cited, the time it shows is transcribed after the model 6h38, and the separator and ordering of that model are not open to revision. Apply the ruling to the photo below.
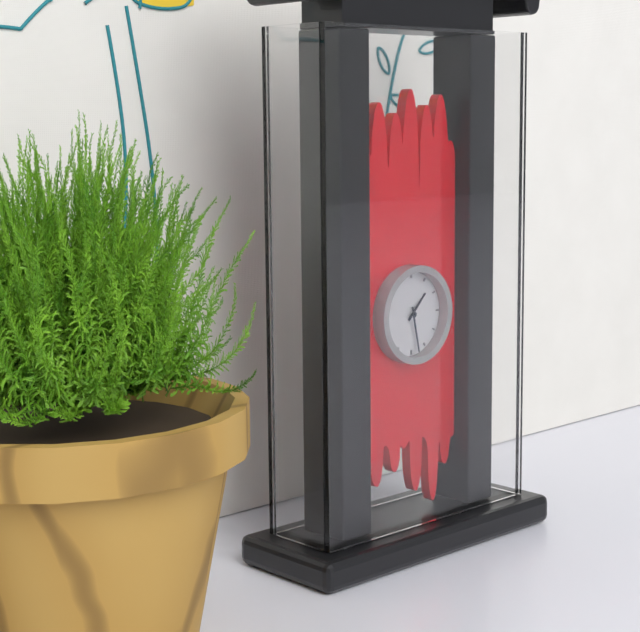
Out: 1h28
